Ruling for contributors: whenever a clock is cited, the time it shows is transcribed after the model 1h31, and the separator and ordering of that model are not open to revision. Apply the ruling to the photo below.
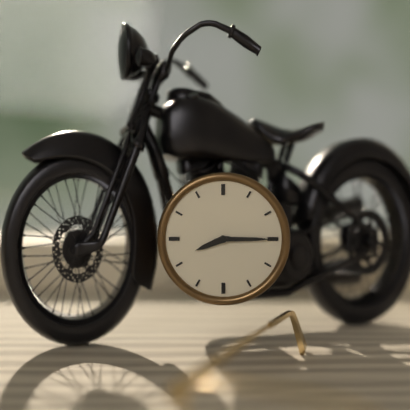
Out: 8h15
